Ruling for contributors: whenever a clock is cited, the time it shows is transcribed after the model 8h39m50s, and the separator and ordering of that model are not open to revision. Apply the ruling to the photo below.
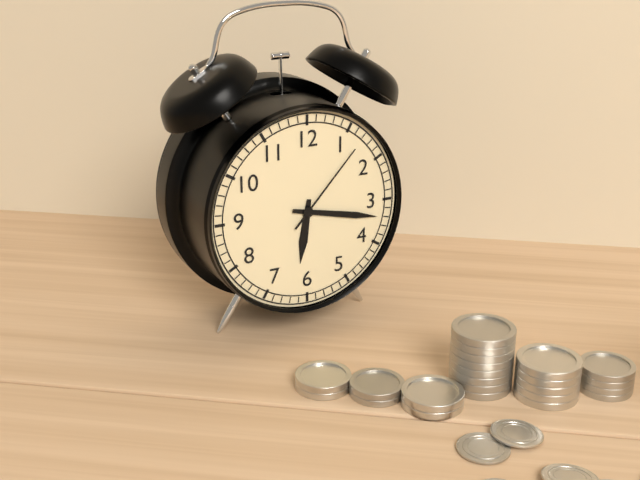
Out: 6h17m07s
